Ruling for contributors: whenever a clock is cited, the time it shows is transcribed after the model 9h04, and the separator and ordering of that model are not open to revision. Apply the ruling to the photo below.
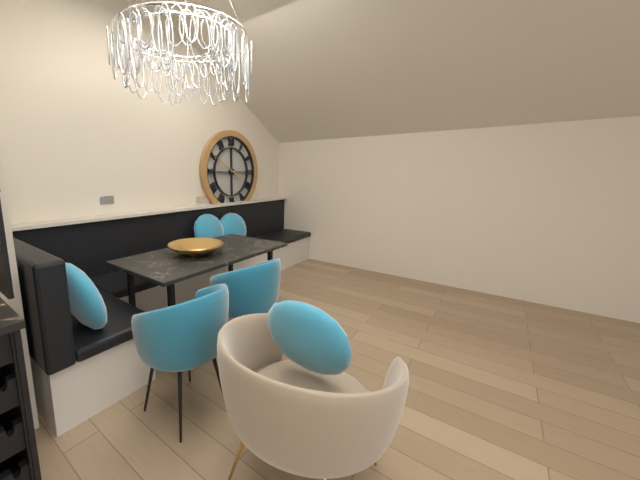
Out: 3h50
